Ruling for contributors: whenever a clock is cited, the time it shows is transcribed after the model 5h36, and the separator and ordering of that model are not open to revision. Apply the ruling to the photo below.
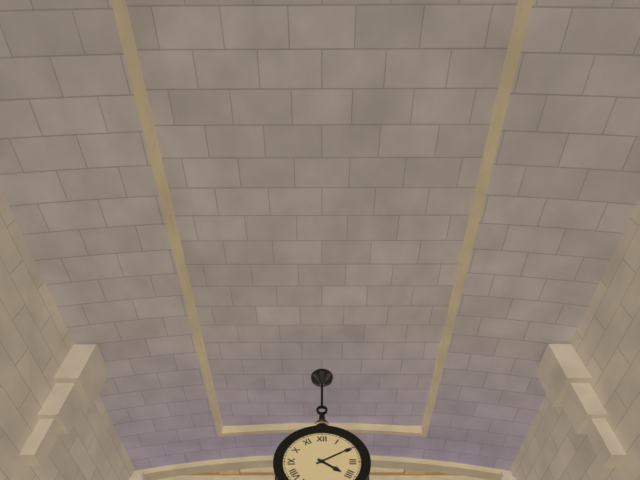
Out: 4h10
